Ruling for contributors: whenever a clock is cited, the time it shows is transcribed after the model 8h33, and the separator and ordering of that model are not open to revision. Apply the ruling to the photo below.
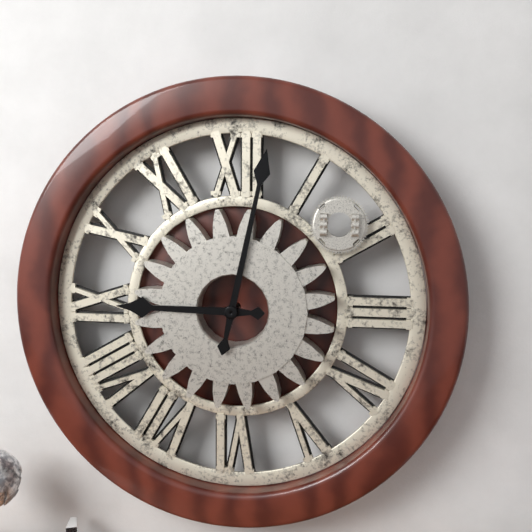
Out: 9h02
